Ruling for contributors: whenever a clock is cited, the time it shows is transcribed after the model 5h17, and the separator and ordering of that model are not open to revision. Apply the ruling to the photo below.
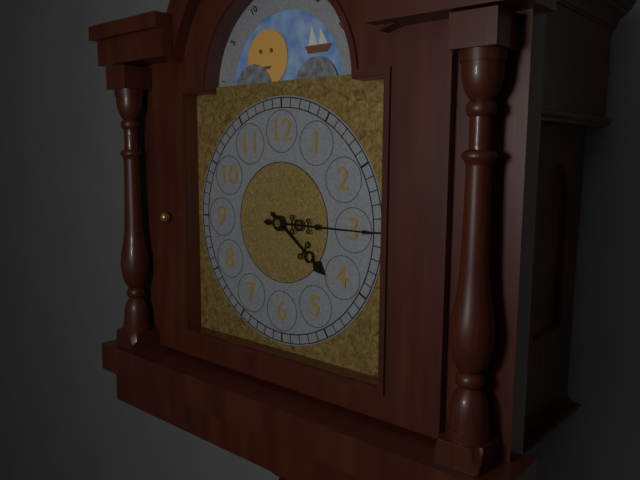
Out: 4h15
